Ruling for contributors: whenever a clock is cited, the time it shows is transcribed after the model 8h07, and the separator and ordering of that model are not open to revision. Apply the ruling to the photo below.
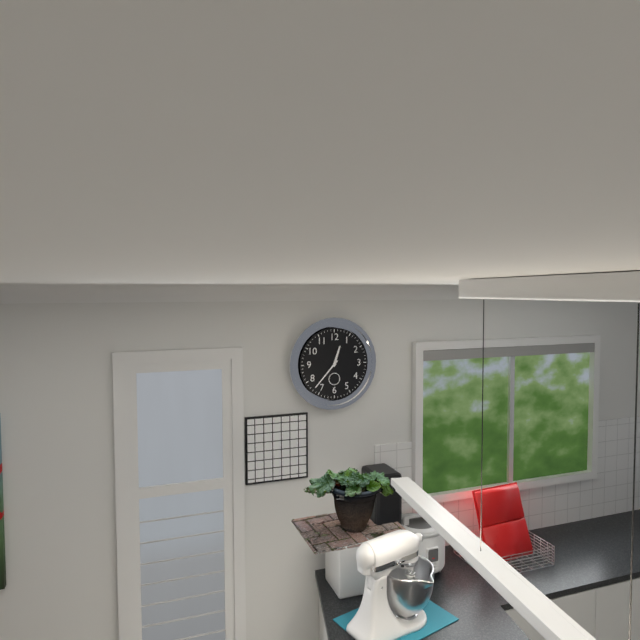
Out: 12h37
